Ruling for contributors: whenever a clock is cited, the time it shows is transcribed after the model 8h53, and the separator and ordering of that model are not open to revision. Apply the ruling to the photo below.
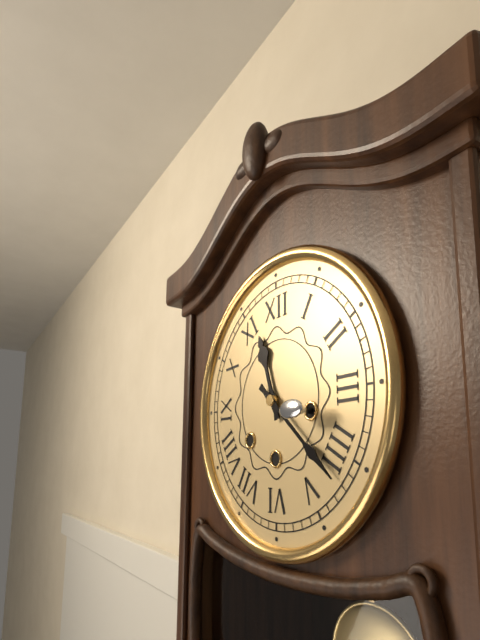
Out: 11h22
